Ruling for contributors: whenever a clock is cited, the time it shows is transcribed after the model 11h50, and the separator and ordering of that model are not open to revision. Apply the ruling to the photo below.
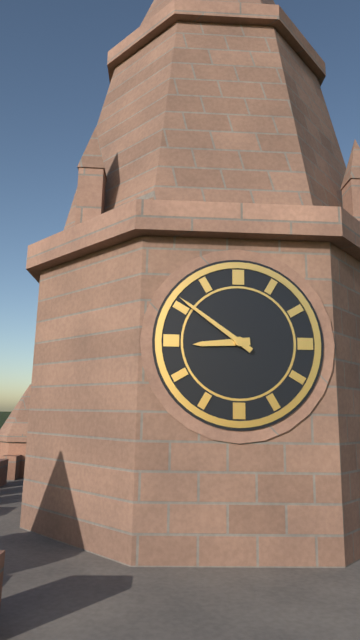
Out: 8h51
